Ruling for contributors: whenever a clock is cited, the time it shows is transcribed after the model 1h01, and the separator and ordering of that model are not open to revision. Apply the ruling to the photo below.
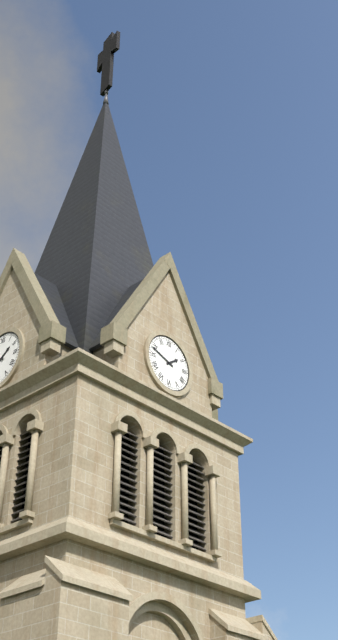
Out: 1h48
